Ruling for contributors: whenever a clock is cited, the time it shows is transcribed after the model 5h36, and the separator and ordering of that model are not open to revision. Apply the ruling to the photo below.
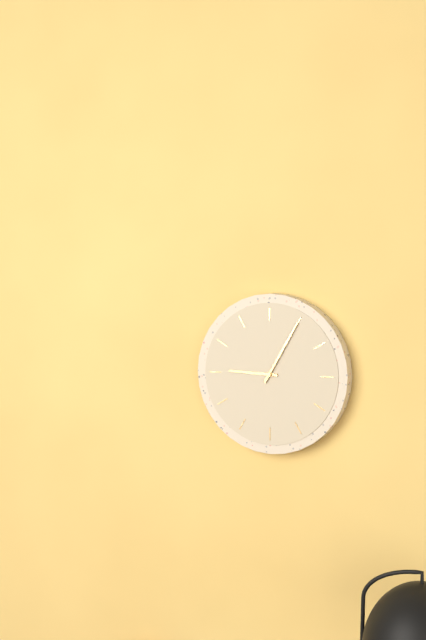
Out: 9h05
